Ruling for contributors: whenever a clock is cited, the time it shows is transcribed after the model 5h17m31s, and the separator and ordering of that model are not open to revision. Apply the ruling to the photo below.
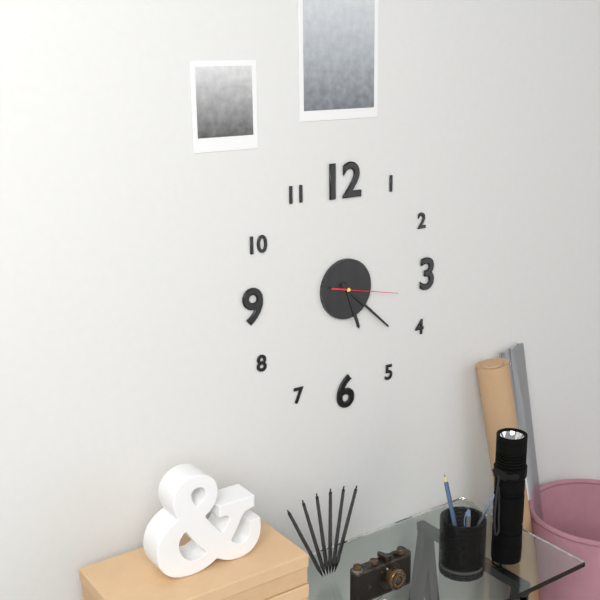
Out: 5h22m17s
